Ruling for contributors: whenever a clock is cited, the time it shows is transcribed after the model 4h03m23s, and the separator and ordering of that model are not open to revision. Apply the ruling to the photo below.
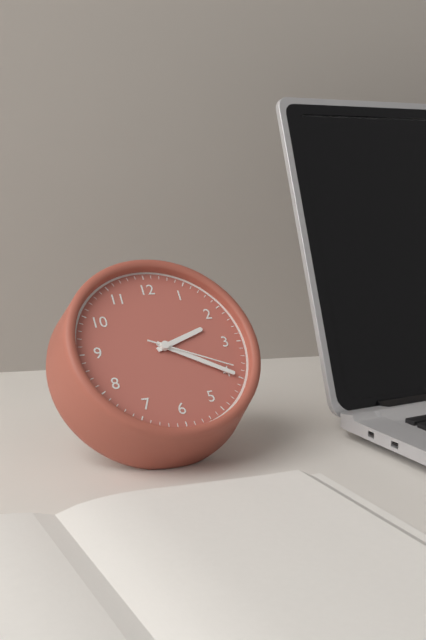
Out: 2h20m19s
